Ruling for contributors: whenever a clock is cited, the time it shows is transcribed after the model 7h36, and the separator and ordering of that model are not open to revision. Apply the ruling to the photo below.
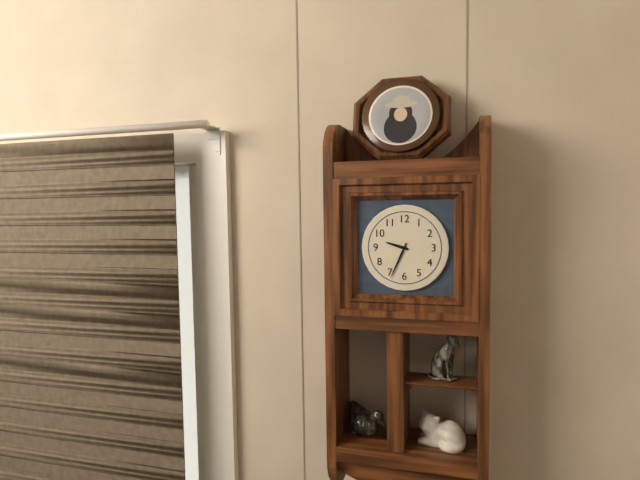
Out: 9h34
